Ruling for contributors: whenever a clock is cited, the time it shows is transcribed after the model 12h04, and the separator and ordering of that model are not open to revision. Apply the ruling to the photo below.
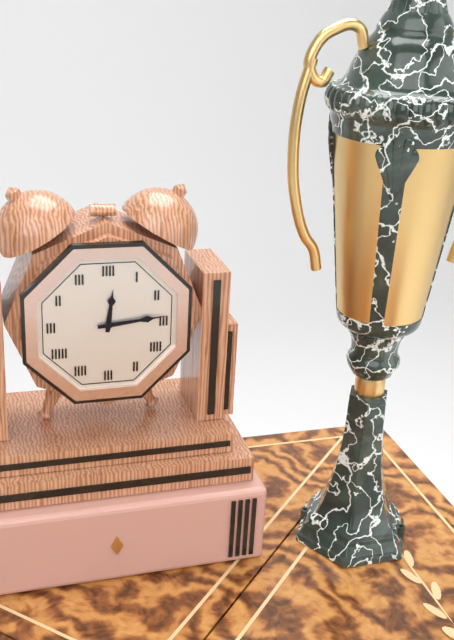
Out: 12h14
